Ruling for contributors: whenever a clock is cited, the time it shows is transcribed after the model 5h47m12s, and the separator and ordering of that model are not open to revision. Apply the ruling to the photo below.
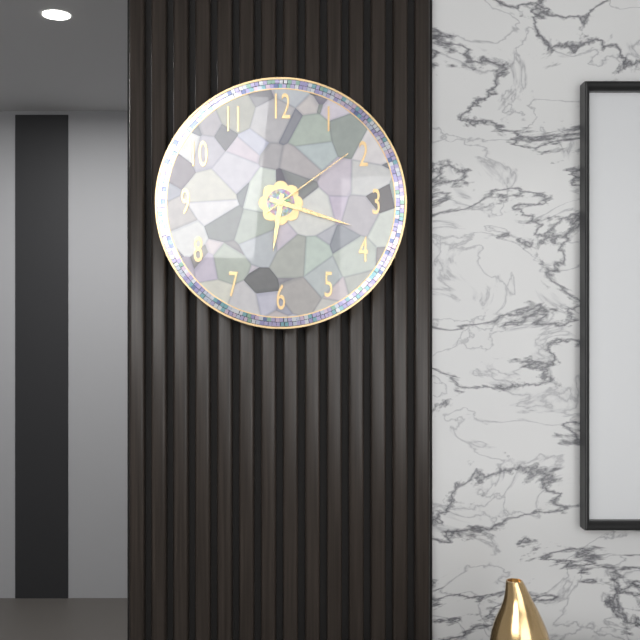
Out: 6h18m09s
